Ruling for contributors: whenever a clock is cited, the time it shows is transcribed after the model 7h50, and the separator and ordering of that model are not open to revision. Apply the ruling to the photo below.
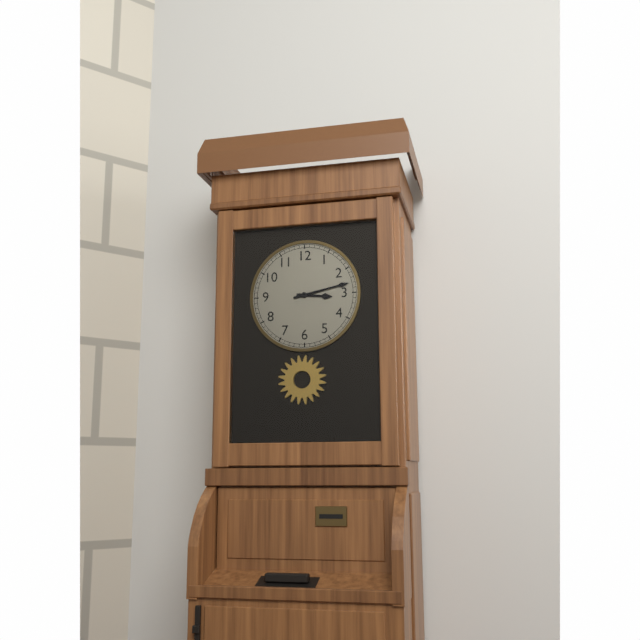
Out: 3h13
